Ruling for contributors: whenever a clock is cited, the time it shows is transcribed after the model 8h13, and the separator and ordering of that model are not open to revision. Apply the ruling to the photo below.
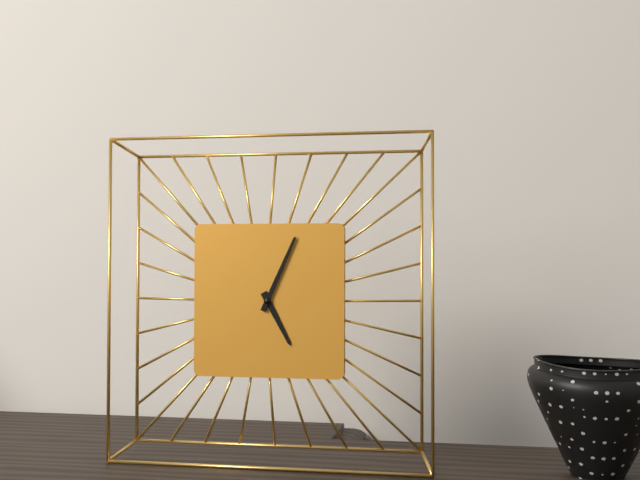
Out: 5h04
